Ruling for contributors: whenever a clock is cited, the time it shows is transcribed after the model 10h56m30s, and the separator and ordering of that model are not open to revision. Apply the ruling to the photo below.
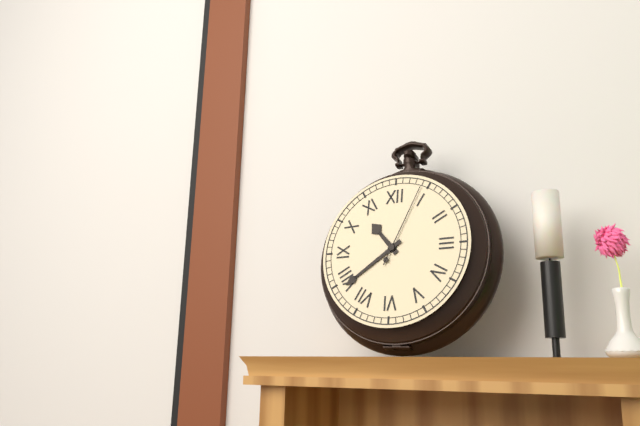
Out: 10h39m04s
